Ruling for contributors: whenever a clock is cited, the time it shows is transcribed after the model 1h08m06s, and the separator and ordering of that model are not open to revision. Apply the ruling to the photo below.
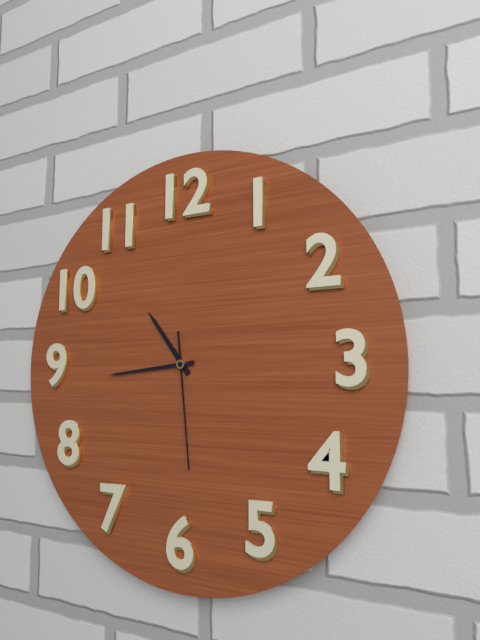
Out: 10h44m29s
